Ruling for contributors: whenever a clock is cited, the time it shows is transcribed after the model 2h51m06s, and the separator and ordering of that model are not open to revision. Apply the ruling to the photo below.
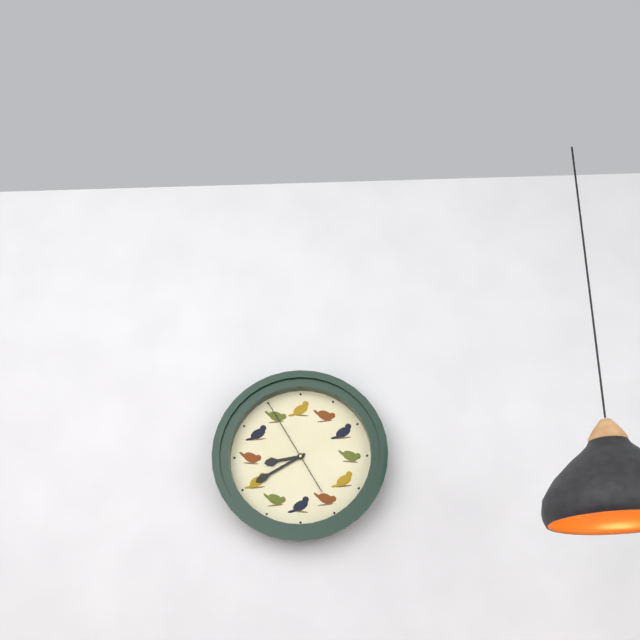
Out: 8h40m55s
